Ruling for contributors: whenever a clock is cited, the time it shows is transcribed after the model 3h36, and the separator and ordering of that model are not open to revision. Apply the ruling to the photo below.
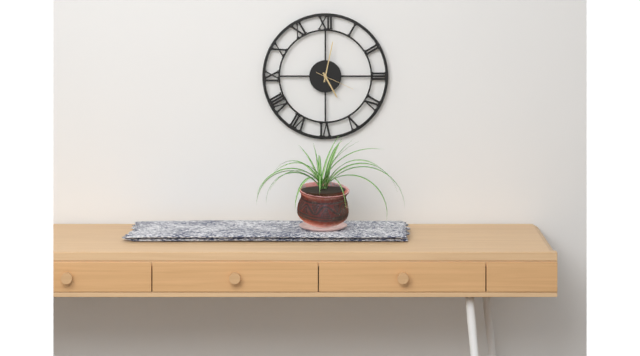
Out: 5h02
